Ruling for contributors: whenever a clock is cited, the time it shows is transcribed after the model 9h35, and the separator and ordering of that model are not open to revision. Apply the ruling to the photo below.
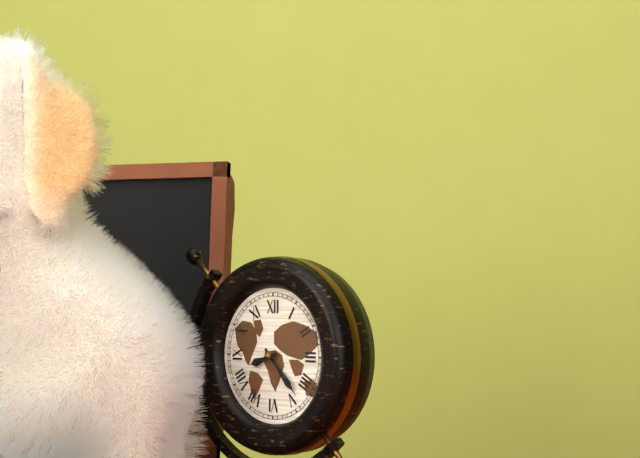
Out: 8h23
